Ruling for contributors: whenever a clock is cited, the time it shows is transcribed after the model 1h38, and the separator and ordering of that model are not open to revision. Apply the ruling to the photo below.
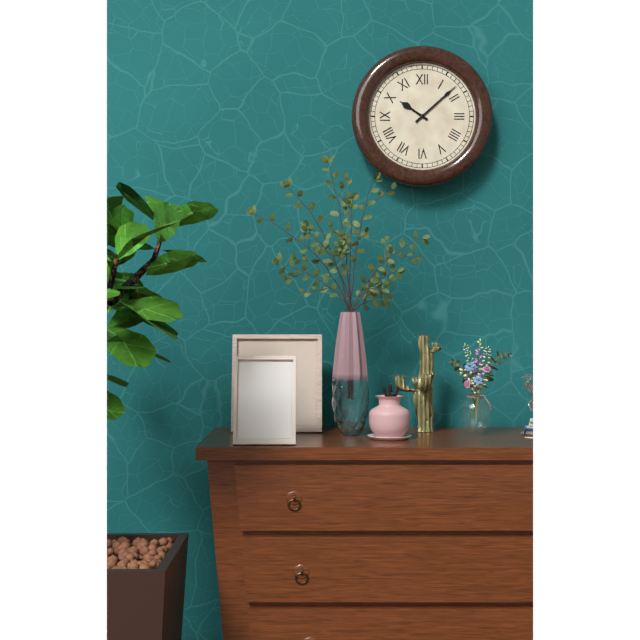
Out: 10h08
